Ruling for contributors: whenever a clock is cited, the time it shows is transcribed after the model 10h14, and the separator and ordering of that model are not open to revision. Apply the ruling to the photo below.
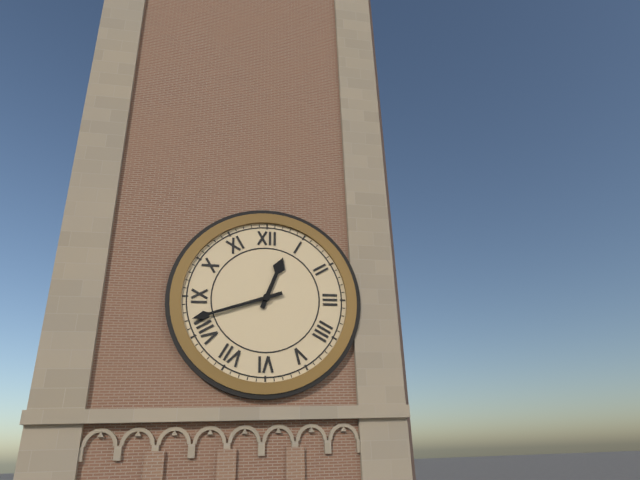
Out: 12h42
